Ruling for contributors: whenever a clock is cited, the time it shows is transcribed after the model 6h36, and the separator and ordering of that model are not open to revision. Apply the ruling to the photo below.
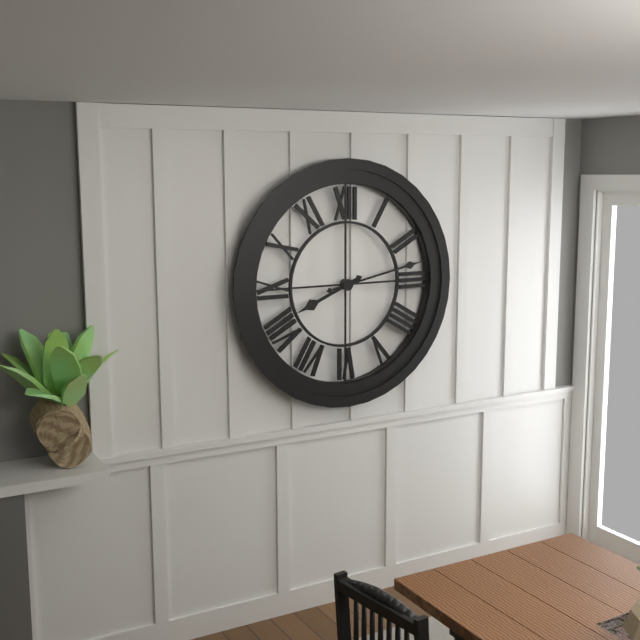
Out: 8h13
